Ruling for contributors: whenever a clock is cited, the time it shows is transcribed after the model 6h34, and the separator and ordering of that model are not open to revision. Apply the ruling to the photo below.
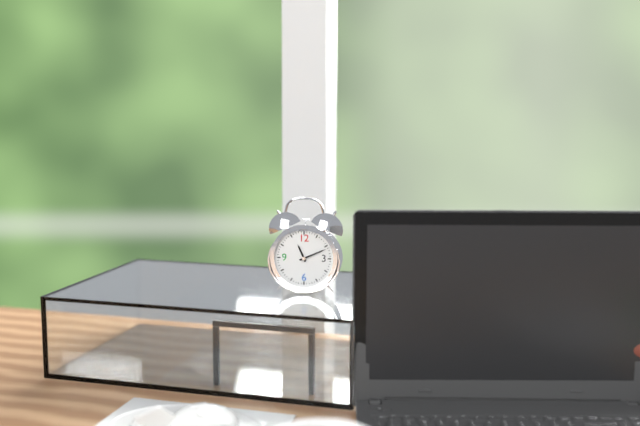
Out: 11h11
